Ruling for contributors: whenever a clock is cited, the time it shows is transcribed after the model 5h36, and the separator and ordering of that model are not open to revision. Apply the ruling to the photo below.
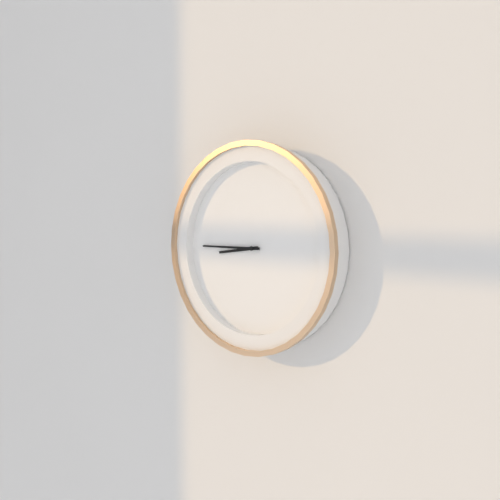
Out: 8h45
